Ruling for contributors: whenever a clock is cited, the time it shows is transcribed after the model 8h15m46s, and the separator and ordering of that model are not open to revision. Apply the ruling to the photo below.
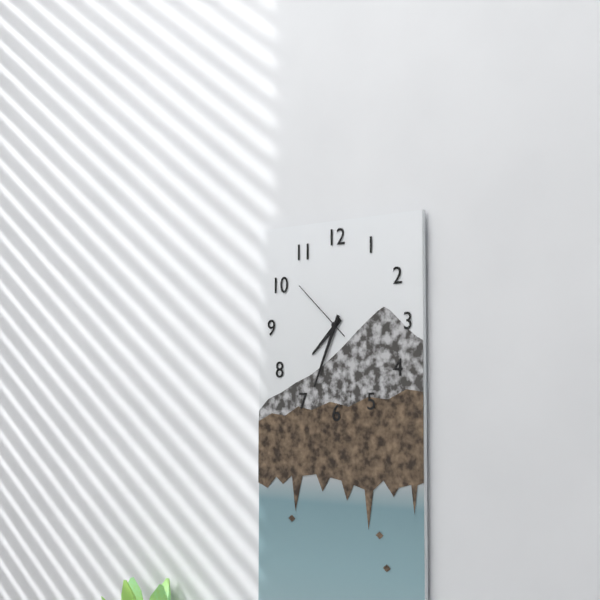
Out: 7h34m52s
